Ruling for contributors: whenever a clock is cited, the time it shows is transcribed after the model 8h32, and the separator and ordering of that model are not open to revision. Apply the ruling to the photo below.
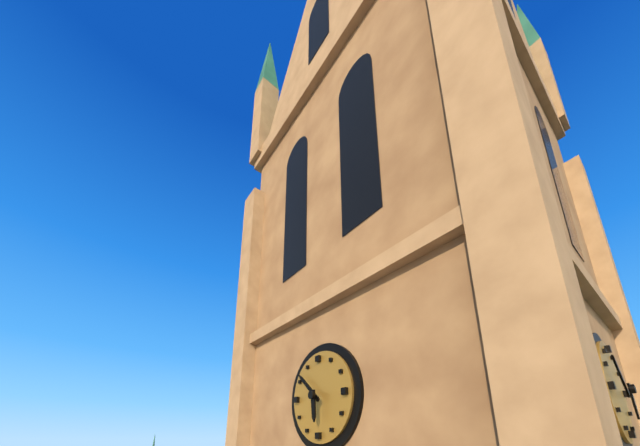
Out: 5h52
